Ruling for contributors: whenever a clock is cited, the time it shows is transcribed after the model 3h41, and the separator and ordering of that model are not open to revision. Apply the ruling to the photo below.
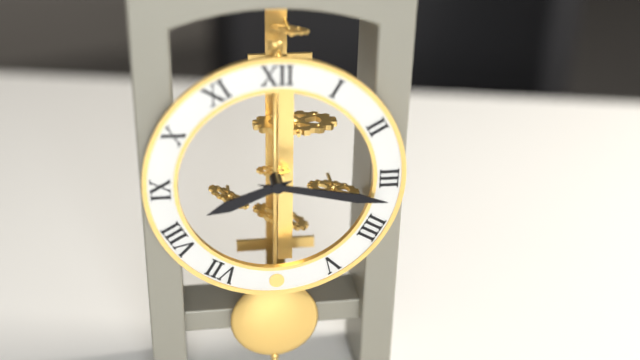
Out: 8h17
